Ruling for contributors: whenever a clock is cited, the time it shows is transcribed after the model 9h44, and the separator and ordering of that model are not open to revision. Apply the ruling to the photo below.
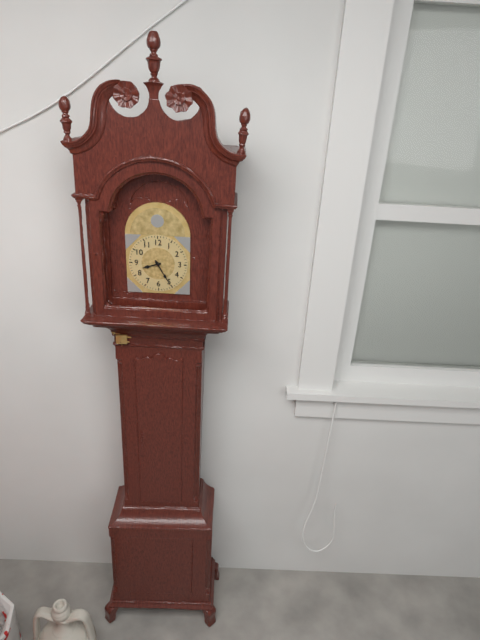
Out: 8h25
